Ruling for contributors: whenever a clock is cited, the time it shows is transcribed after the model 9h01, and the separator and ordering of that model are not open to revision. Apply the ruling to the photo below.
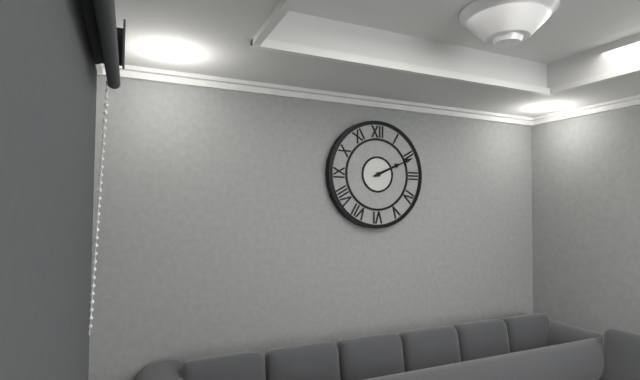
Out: 2h11
